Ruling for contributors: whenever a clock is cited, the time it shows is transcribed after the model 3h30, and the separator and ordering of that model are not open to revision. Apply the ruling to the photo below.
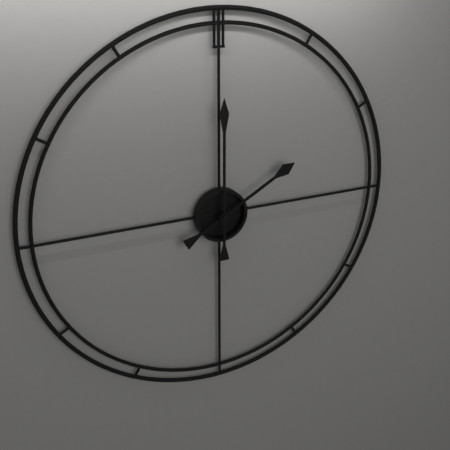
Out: 2h00
